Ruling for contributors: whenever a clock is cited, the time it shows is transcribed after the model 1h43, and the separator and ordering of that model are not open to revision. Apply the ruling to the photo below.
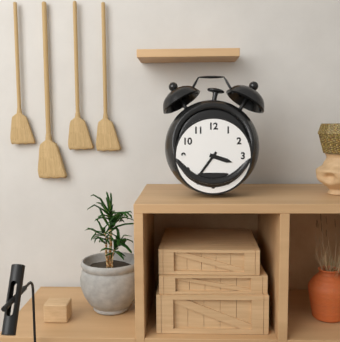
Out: 3h36
